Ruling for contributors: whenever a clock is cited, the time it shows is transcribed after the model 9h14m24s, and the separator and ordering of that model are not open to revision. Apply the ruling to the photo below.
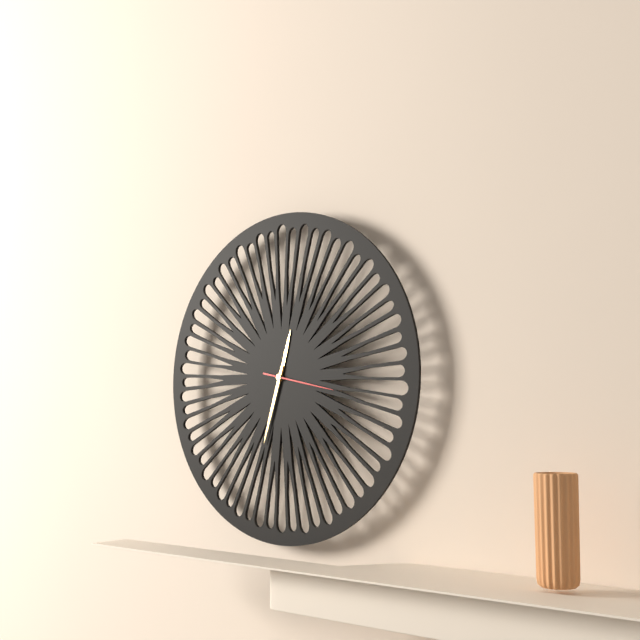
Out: 12h33m17s
